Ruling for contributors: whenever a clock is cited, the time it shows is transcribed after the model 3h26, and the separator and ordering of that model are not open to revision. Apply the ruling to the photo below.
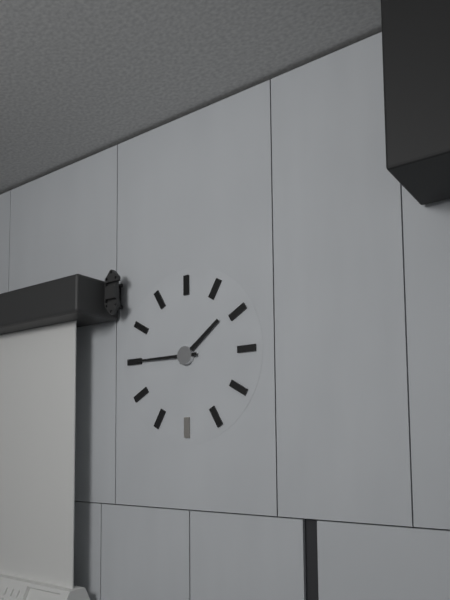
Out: 1h45
